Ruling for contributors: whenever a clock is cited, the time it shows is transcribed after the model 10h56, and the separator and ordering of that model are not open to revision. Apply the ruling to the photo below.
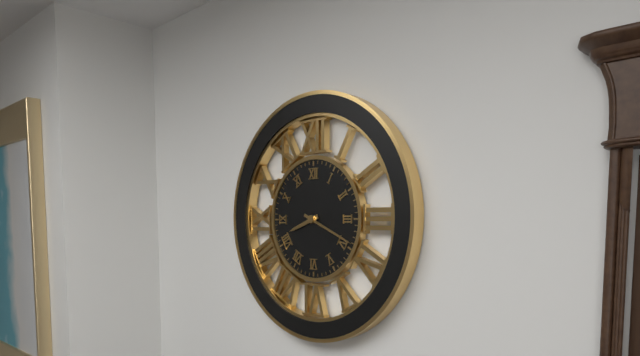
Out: 8h19
